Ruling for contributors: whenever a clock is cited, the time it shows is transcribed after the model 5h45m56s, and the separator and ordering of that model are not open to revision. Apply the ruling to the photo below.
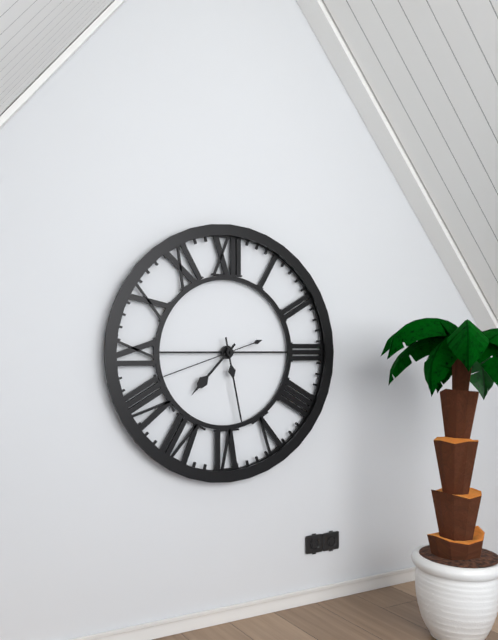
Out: 7h28m42s
